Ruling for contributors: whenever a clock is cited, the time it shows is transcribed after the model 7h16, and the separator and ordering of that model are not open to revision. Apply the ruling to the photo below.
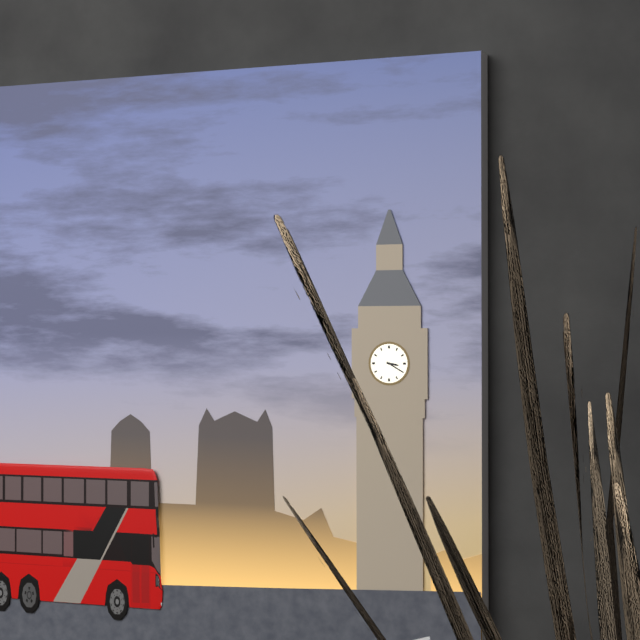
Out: 3h20
